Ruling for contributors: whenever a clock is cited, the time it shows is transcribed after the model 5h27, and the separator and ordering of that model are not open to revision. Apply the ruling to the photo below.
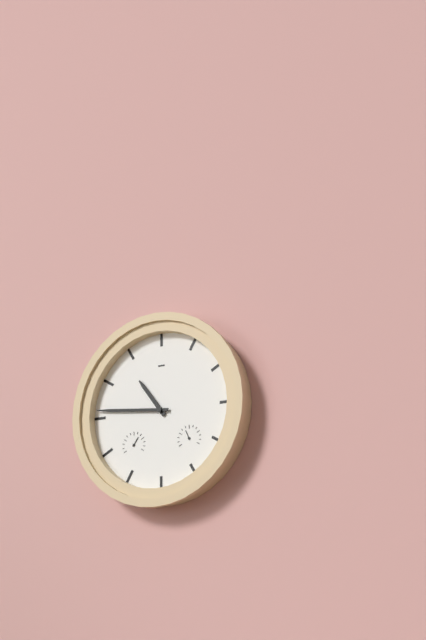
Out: 10h46
